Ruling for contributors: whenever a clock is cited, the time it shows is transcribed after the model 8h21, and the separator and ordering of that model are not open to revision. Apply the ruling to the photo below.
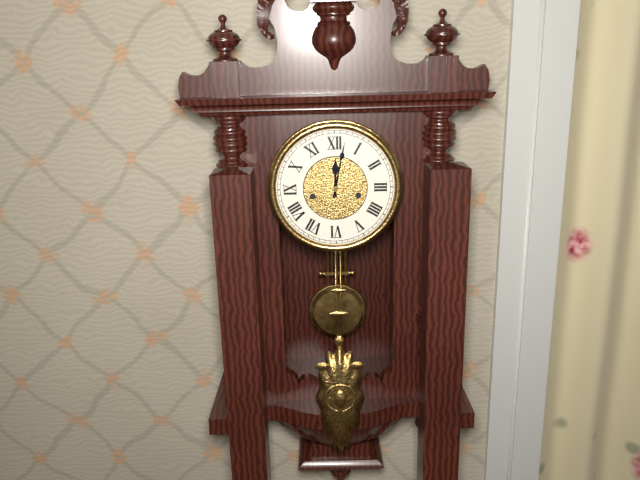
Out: 12h02
